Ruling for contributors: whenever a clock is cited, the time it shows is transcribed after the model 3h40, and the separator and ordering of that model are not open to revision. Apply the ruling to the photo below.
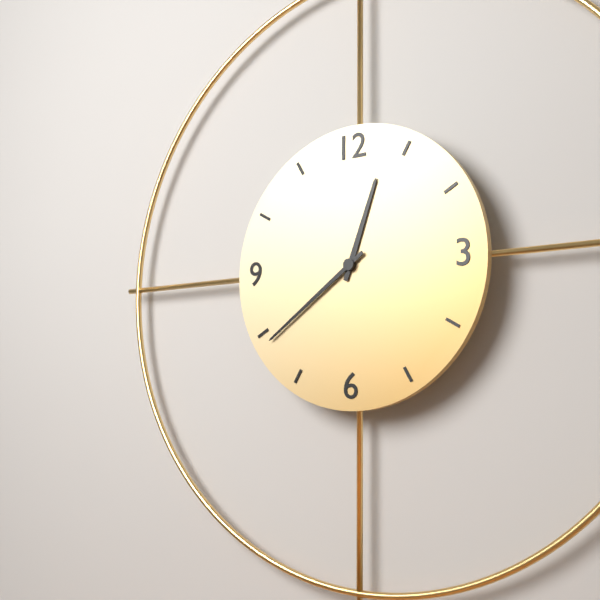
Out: 12h39
